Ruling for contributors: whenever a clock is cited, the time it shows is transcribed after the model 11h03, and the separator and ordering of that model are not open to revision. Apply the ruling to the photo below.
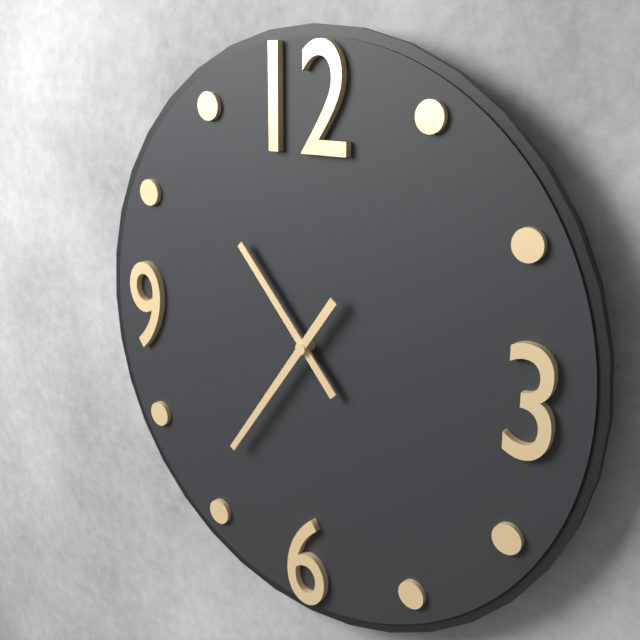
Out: 10h36
